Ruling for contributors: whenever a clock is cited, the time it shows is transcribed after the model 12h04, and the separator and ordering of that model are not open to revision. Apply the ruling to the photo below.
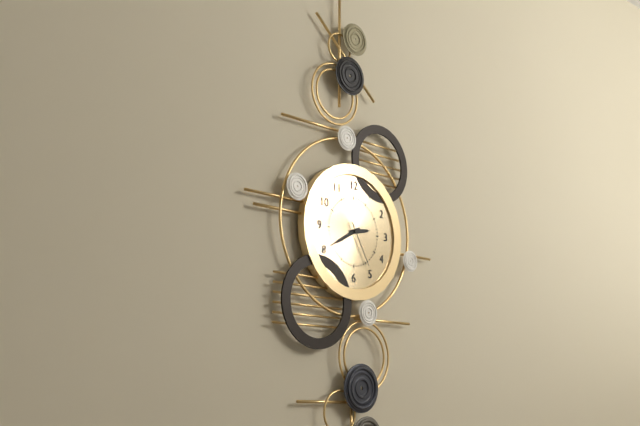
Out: 2h40
